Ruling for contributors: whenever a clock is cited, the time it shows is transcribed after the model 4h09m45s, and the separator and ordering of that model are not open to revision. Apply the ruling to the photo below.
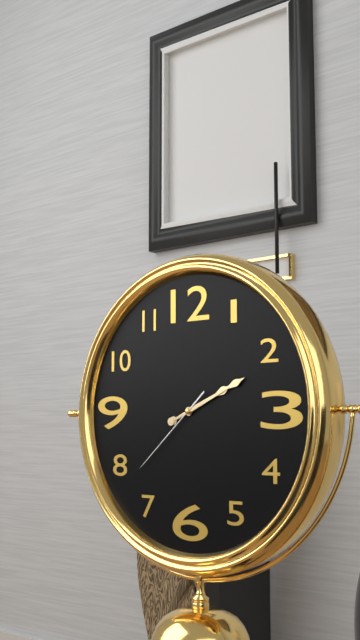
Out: 2h11m38s
